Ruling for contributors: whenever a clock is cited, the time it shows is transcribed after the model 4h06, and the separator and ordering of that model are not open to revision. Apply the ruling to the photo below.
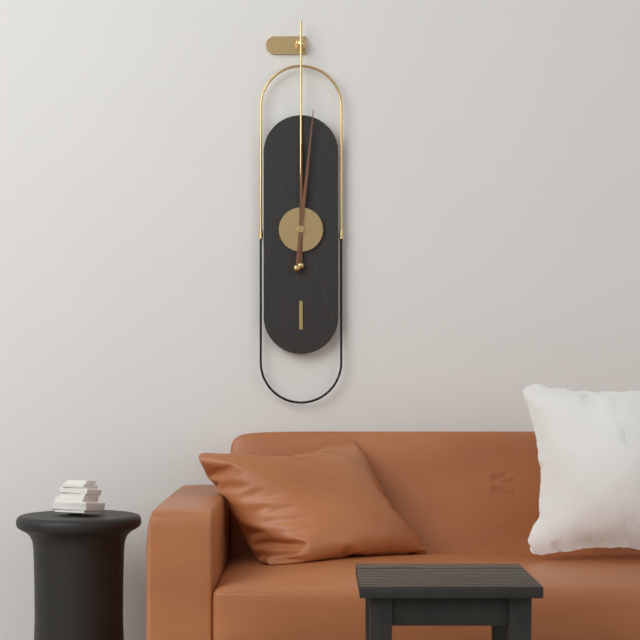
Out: 12h01
